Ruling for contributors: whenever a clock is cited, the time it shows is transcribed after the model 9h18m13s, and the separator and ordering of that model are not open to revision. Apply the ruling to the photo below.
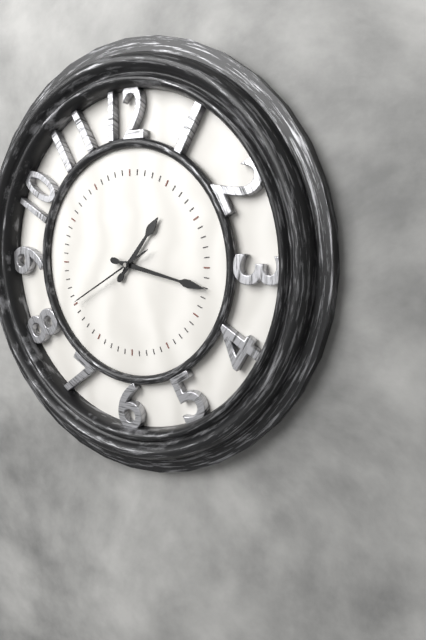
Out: 1h17m40s
